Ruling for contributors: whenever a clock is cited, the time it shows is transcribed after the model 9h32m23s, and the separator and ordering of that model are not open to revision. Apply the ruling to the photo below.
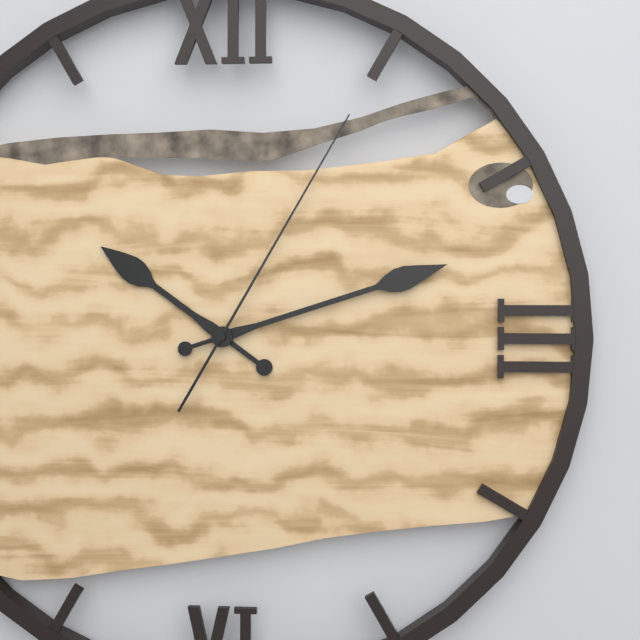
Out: 10h12m05s
